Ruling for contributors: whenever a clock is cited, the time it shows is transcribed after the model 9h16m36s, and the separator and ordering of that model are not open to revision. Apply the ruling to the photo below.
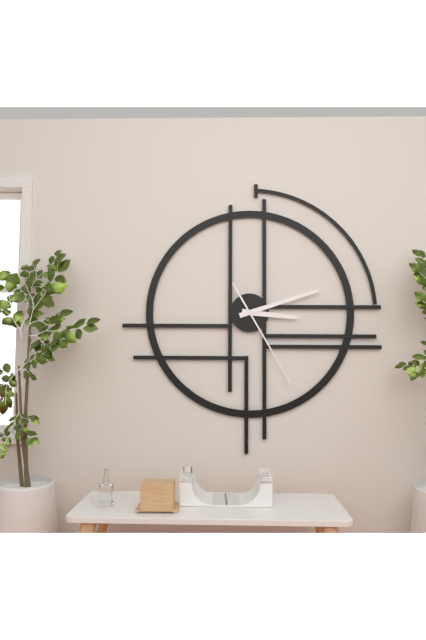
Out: 3h12m25s
